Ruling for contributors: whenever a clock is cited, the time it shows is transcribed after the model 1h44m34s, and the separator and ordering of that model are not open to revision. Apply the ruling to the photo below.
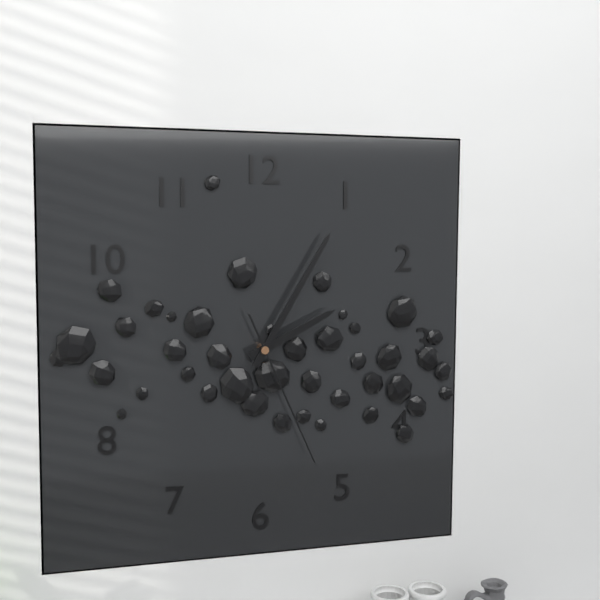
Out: 2h05m26s
